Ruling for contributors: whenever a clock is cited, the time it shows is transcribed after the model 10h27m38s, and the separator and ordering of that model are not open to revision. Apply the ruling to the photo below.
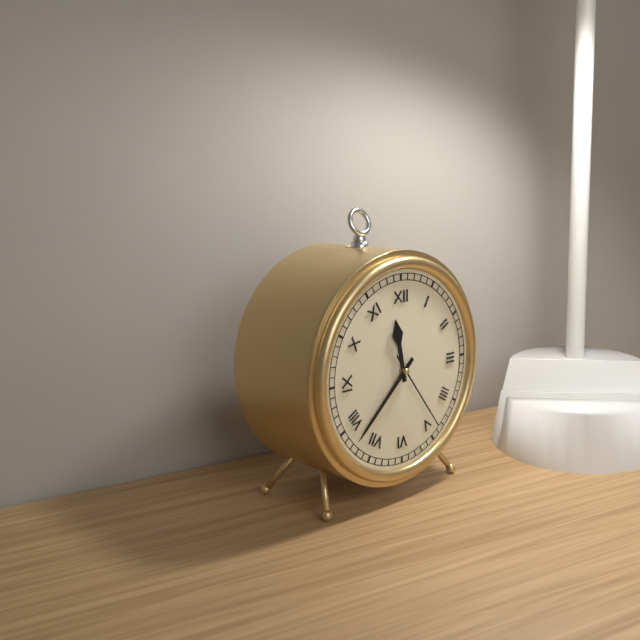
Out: 11h38m24s
